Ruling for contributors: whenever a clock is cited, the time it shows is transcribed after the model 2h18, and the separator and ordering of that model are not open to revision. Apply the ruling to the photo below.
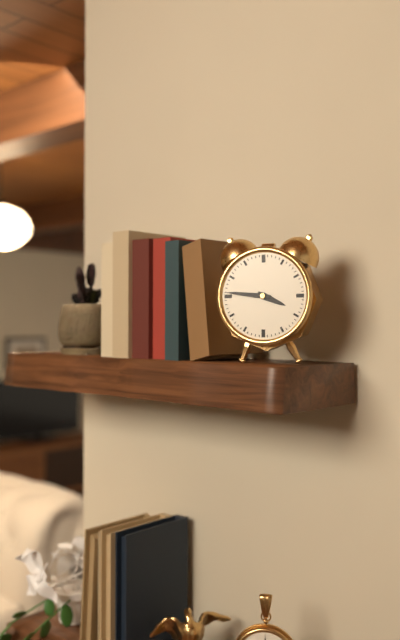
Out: 3h46
